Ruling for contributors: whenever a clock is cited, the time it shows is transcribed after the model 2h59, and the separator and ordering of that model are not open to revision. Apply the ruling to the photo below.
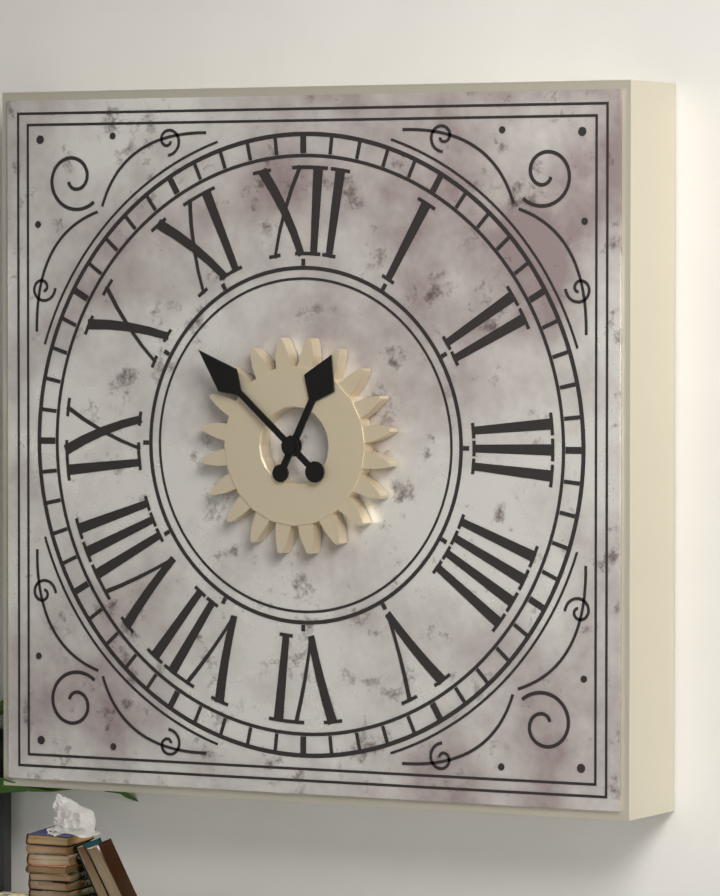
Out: 12h52
